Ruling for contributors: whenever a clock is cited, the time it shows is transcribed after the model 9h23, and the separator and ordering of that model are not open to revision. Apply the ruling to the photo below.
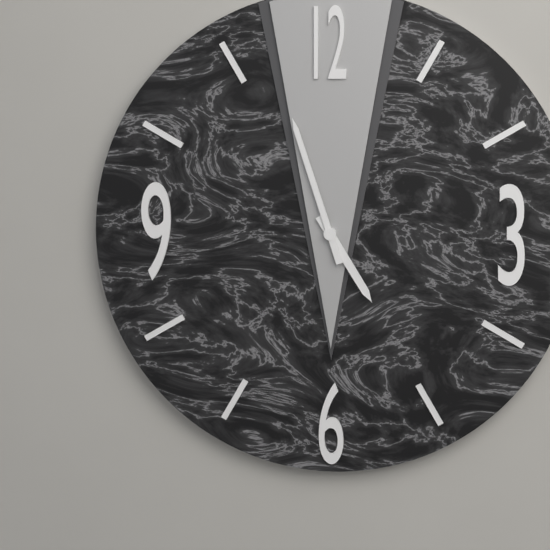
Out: 4h57
